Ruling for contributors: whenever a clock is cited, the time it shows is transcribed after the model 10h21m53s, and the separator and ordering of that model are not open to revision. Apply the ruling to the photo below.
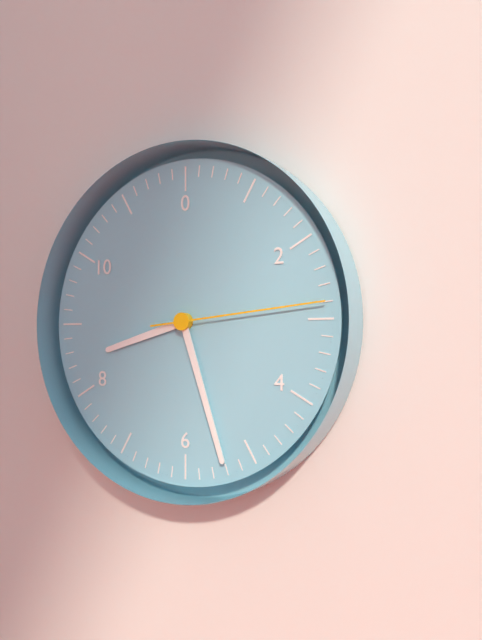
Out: 8h27m14s
